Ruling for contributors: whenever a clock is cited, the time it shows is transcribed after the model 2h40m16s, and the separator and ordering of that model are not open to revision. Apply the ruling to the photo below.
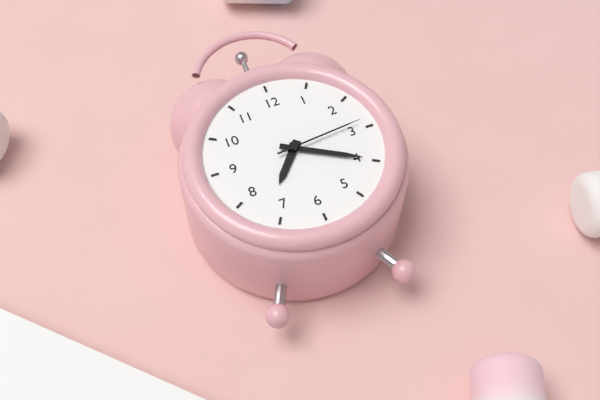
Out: 7h20m14s
